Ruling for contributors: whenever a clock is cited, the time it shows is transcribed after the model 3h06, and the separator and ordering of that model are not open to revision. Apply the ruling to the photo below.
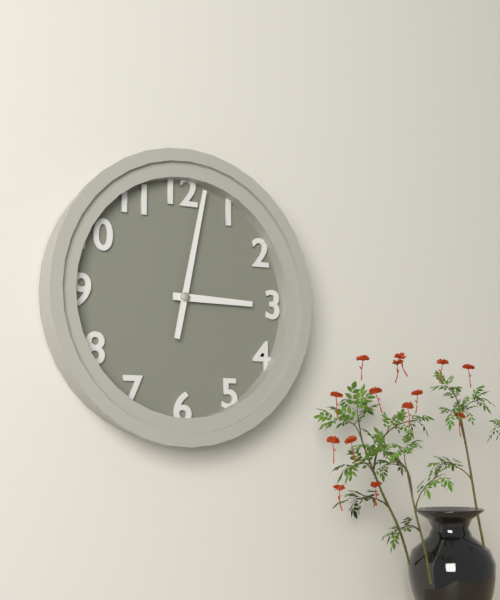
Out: 3h02
